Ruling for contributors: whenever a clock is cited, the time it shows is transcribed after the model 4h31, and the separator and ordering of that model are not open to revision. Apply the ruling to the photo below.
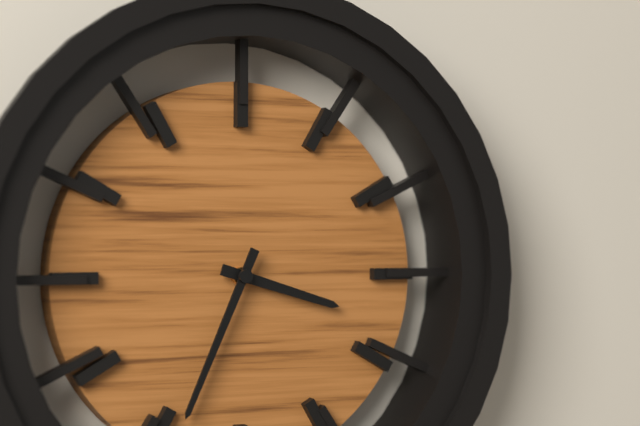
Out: 3h34
